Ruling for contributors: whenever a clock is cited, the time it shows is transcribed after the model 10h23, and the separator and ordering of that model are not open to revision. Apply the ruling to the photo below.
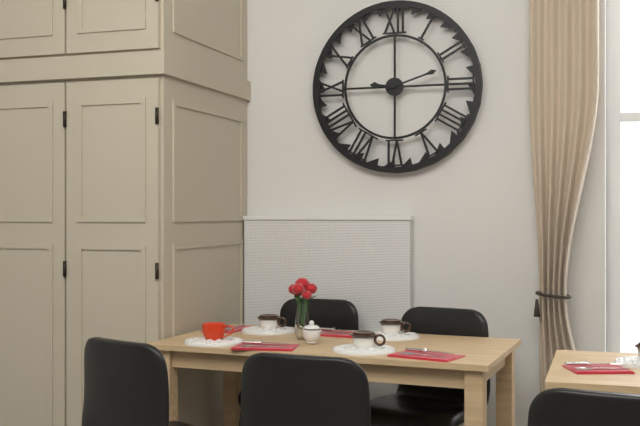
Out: 9h12
